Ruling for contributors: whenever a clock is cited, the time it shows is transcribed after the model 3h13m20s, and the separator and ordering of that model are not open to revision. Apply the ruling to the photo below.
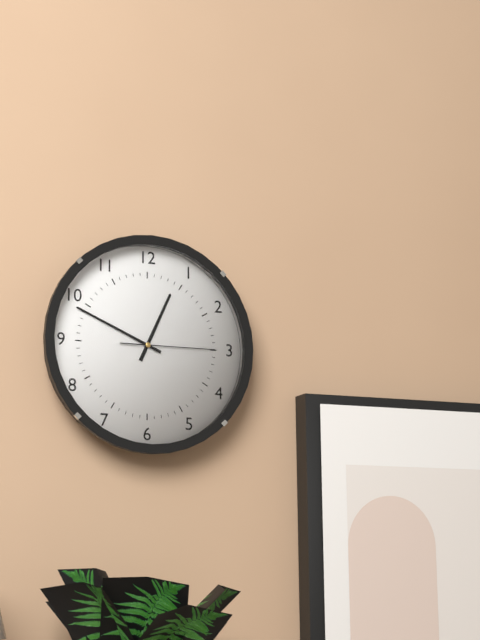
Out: 12h49m15s
